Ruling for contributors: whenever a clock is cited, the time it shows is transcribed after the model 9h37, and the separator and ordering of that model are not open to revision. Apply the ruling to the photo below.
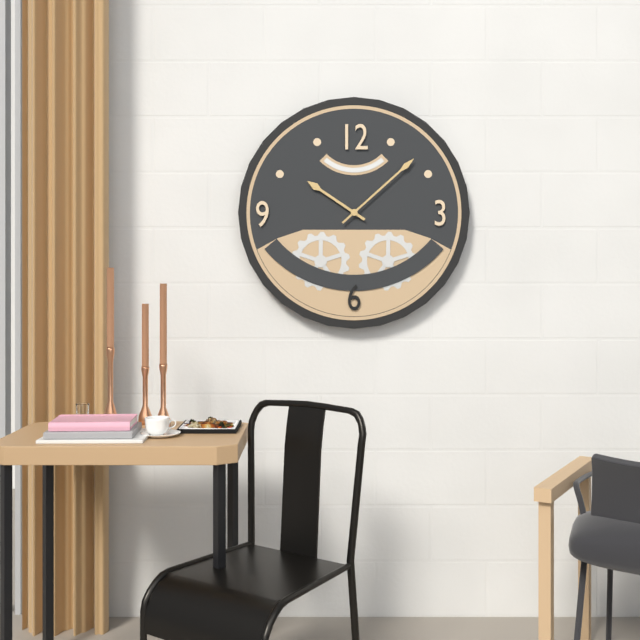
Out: 10h08
